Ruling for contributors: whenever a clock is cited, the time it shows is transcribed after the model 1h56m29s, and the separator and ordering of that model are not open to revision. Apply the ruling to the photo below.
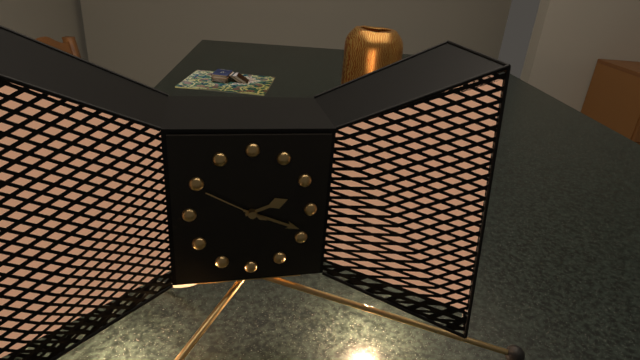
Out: 2h19m50s
